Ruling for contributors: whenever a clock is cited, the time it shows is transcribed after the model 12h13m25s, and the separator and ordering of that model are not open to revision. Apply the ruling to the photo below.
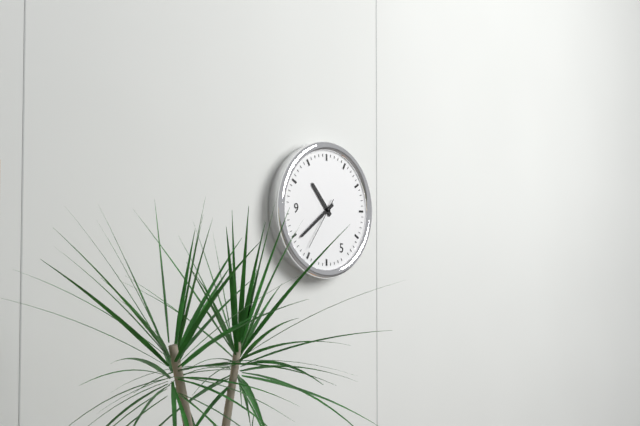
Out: 10h39m36s
